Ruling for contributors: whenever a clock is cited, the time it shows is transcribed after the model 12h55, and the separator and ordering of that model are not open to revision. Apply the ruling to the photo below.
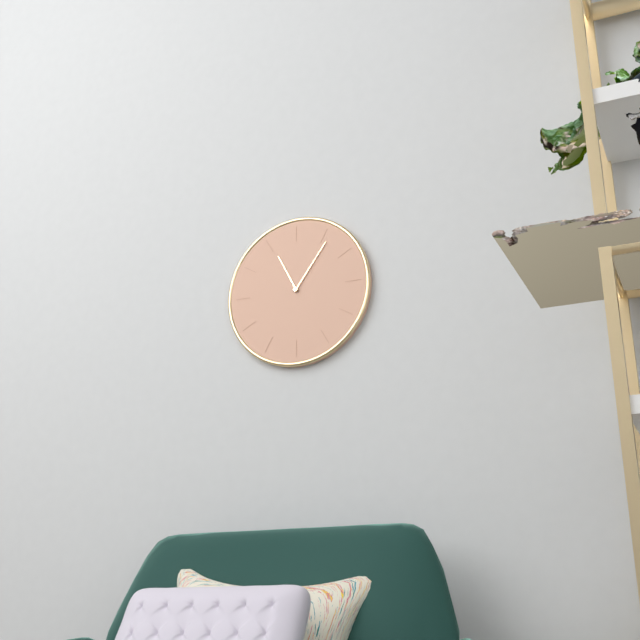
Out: 11h06
